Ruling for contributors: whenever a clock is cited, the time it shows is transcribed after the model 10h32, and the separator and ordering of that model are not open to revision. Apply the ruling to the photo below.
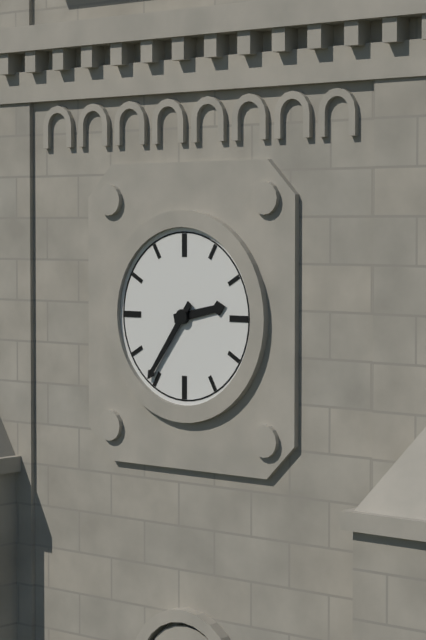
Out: 2h36
